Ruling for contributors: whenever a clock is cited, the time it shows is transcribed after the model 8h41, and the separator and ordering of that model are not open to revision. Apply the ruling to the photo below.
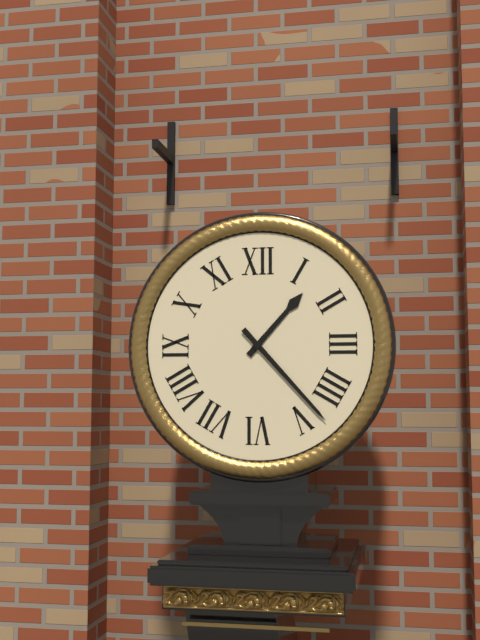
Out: 1h23
